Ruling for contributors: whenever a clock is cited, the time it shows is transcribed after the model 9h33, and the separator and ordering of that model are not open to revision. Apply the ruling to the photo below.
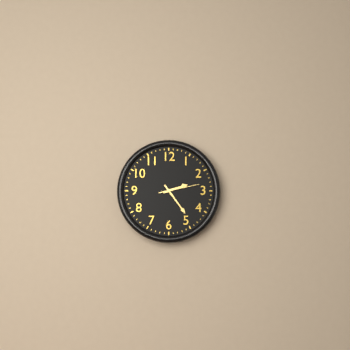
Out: 2h24
